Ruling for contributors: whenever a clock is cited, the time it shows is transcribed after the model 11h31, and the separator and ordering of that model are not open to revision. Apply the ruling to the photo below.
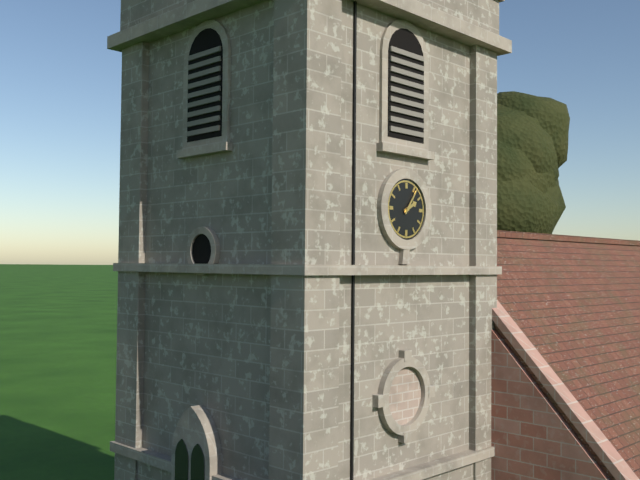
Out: 2h06
